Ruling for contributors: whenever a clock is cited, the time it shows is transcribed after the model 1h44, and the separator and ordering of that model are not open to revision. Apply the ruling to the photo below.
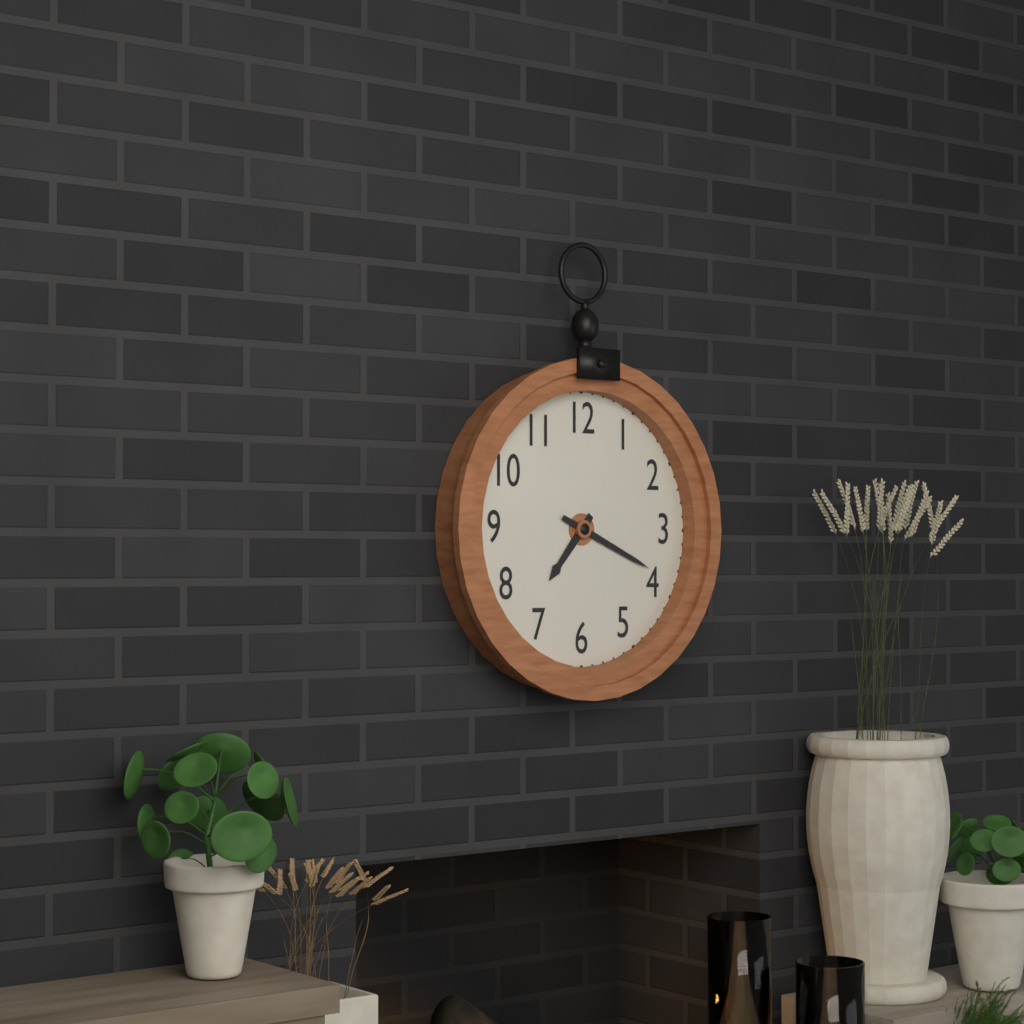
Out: 7h19
